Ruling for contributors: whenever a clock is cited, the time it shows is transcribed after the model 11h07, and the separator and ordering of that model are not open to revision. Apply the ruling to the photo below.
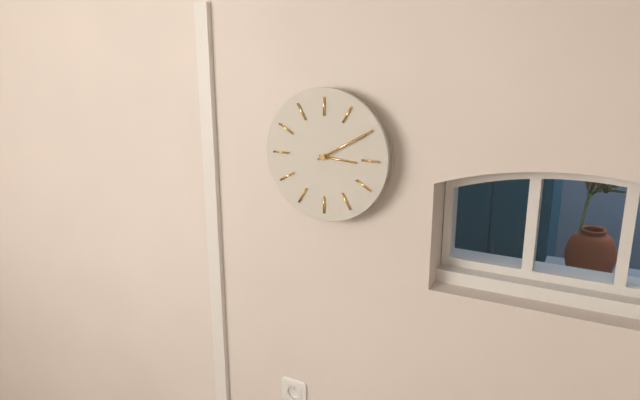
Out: 3h10
